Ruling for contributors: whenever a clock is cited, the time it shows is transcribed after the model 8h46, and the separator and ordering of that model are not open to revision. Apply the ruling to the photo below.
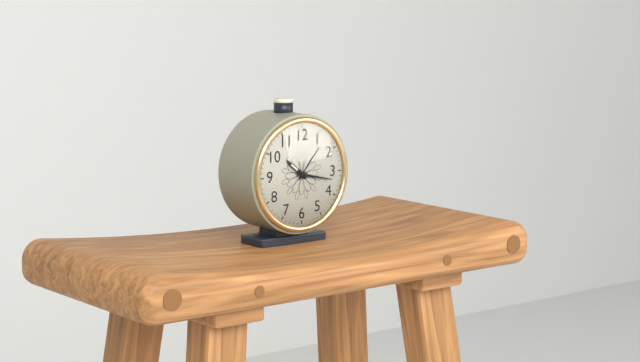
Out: 10h17
